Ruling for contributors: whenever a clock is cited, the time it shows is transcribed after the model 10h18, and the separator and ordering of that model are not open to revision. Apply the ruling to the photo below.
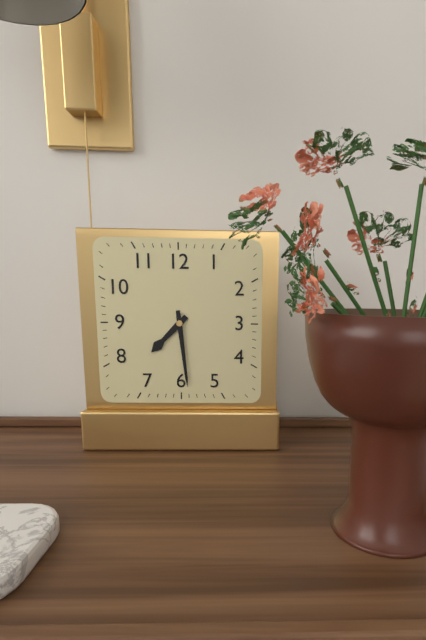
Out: 7h29
